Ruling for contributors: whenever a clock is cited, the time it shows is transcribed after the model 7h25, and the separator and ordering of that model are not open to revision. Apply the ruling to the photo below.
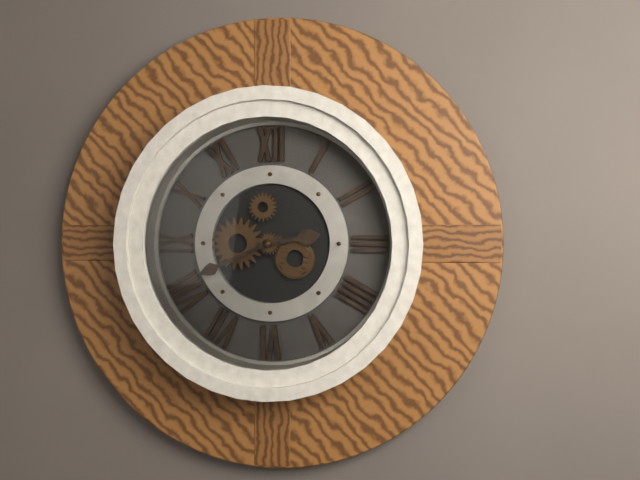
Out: 2h41
